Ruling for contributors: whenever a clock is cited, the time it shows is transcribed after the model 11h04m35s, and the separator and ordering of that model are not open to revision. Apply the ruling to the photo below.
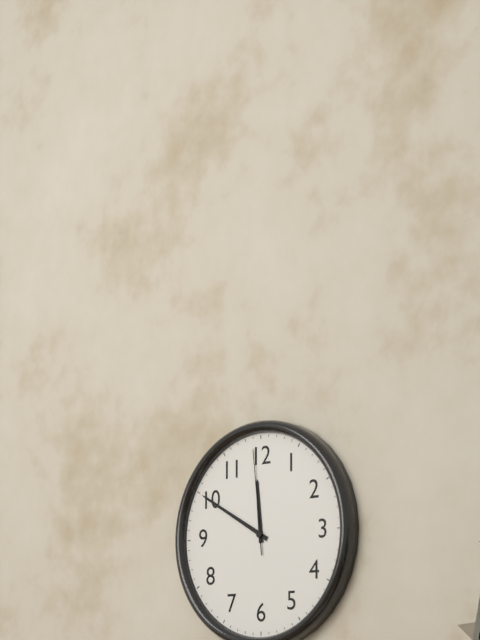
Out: 11h50m59s
